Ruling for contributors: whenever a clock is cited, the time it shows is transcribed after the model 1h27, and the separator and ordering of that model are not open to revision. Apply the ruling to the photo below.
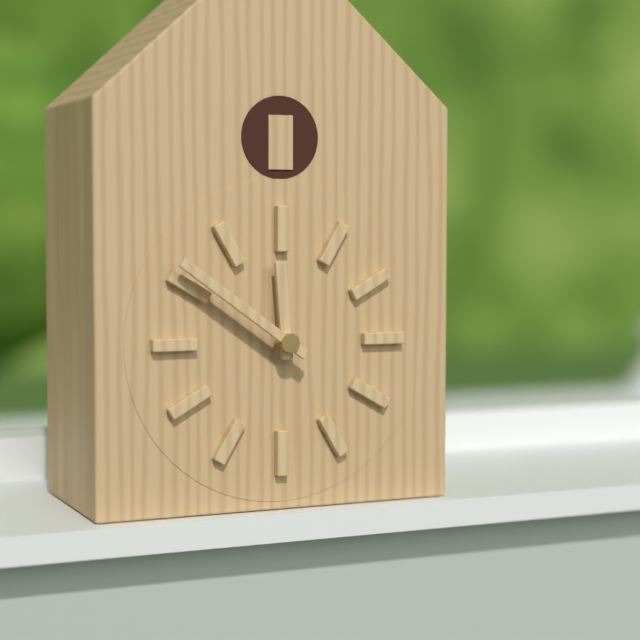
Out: 11h51
